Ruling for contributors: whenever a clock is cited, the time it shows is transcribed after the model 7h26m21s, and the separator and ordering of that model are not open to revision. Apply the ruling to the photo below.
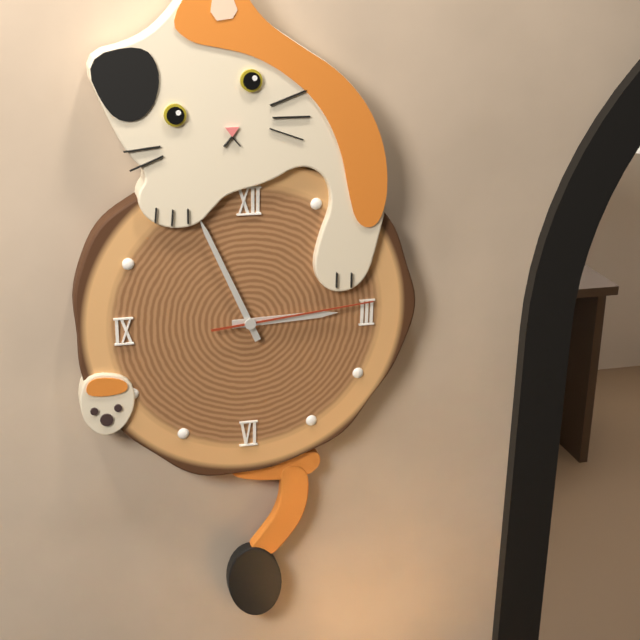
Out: 2h56m14s
